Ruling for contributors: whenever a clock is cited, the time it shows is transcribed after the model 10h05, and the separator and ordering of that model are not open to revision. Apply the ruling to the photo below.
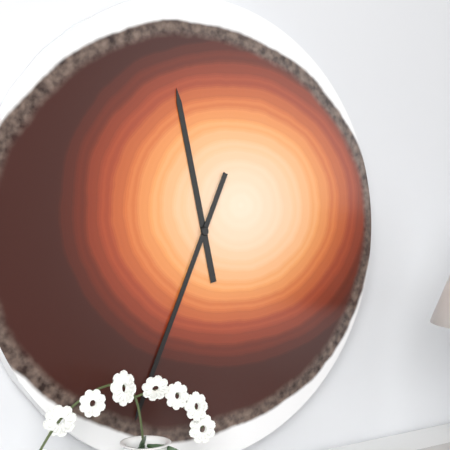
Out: 11h34
